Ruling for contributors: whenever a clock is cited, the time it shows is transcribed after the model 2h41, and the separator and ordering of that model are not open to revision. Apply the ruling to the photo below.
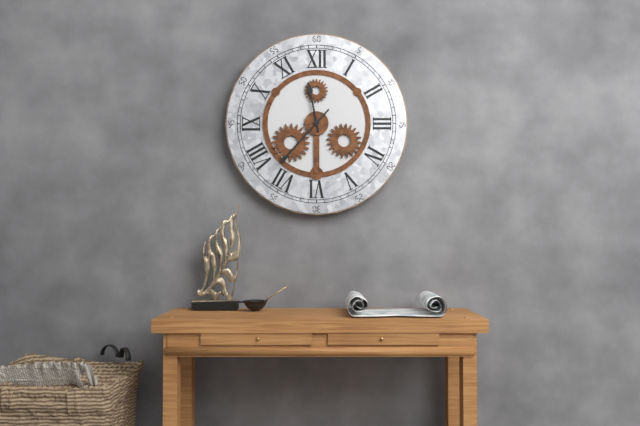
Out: 11h37
